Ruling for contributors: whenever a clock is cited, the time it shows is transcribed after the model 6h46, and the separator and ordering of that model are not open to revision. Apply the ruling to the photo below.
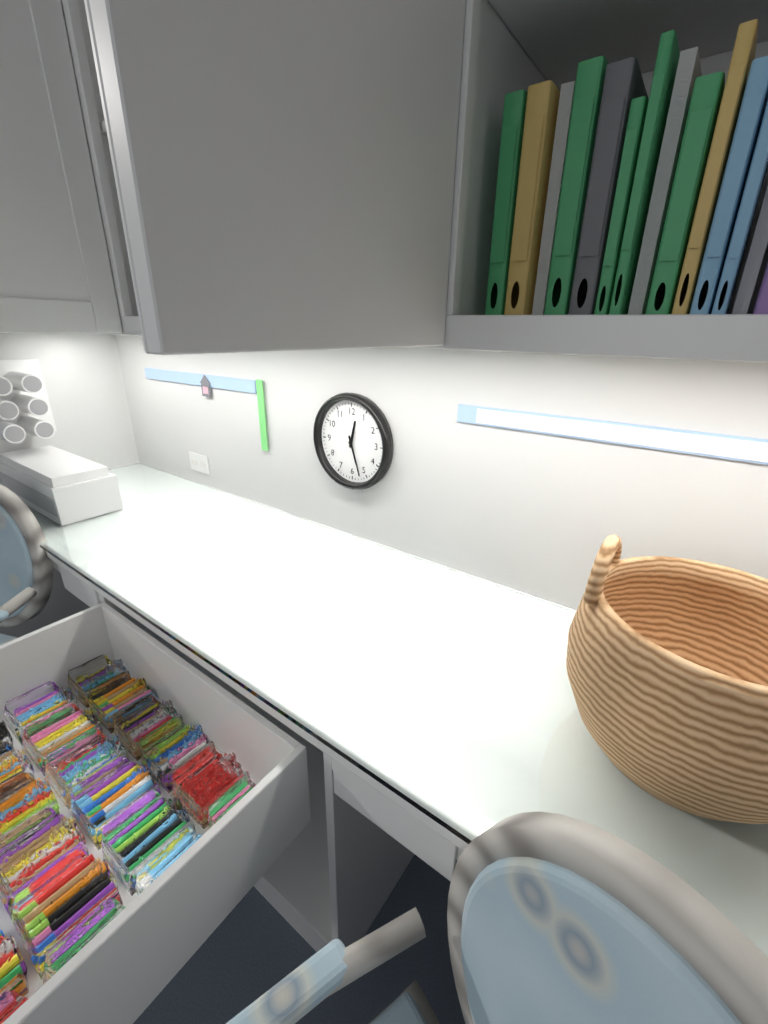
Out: 12h27
